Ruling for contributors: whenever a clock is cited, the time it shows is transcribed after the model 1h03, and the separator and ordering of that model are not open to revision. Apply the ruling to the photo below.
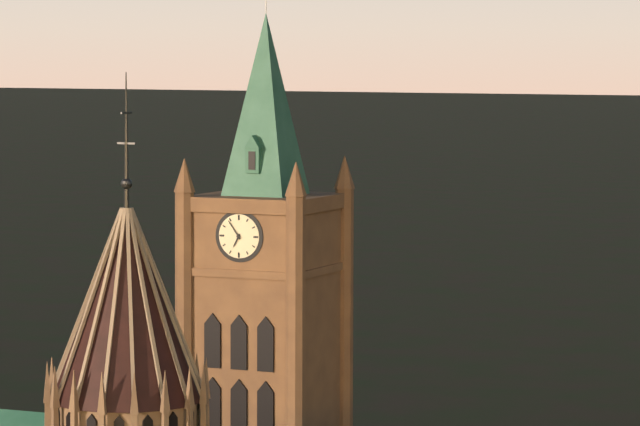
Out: 6h54
